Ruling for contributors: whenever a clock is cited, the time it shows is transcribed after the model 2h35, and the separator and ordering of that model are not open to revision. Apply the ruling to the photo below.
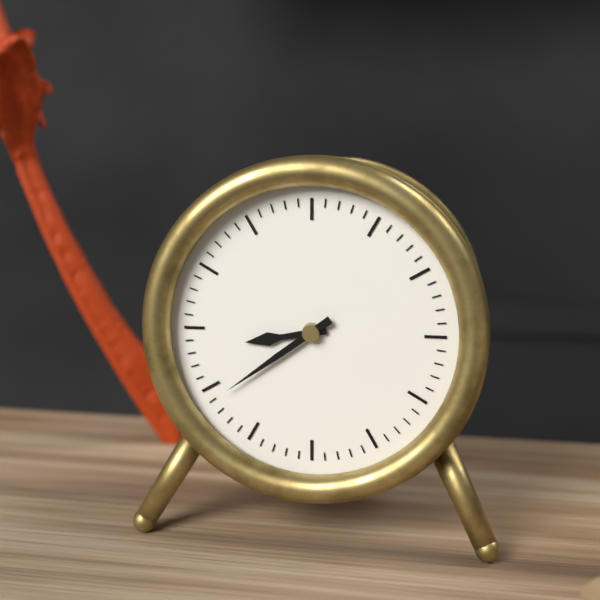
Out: 8h39
